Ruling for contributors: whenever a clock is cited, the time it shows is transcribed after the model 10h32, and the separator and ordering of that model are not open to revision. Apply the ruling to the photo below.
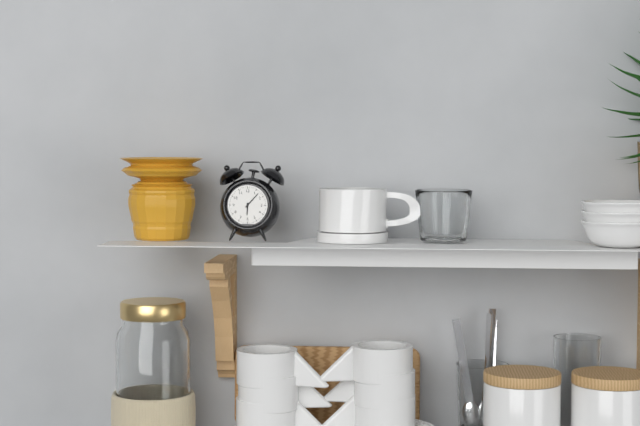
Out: 6h07
